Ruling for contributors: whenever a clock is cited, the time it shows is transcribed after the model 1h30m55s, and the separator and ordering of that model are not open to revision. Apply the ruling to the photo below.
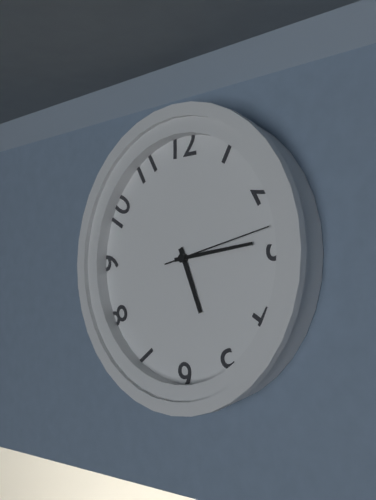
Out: 5h14m13s
